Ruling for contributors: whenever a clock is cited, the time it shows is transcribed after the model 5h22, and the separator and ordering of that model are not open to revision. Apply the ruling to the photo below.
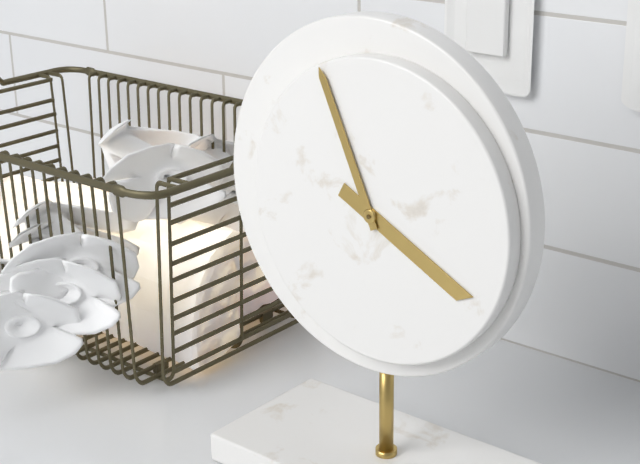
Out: 3h56
